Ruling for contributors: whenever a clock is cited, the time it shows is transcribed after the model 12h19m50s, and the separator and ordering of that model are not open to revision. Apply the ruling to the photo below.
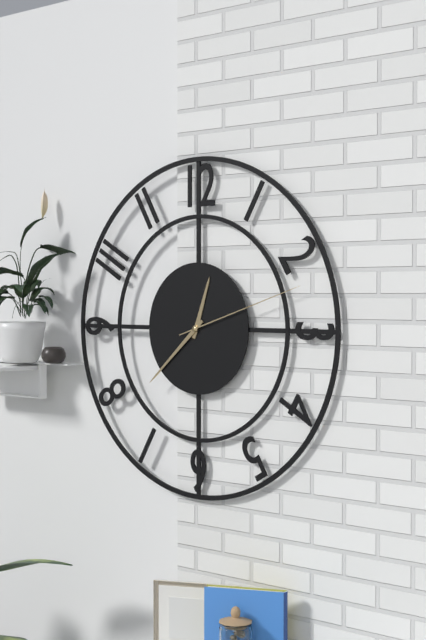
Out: 12h38m12s
